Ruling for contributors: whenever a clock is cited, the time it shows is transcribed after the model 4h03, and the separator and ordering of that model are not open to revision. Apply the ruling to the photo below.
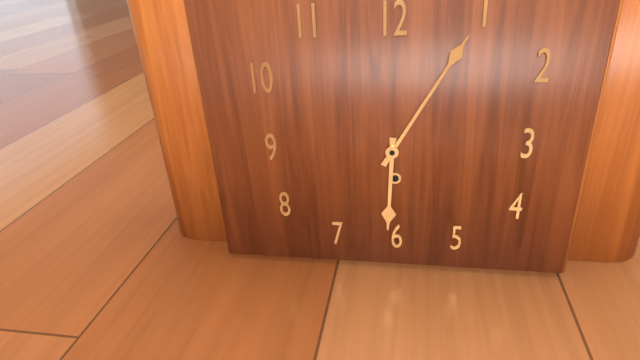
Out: 6h05
